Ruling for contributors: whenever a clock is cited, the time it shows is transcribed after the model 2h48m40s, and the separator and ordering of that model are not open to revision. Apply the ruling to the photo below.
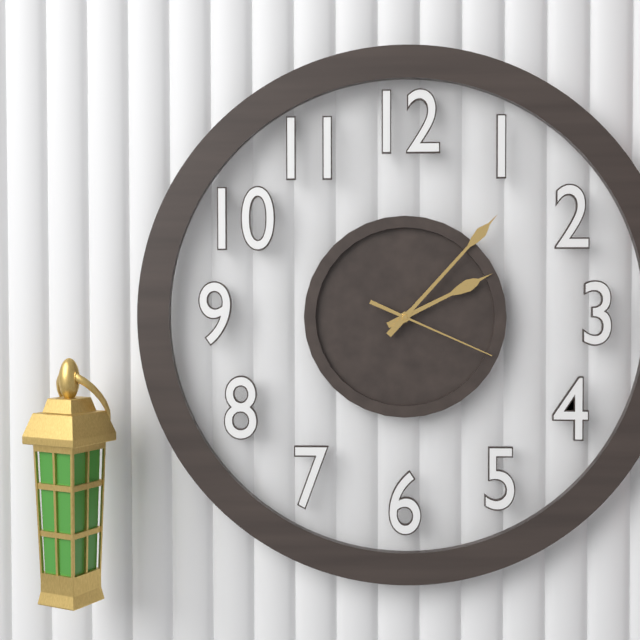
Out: 2h07m19s
